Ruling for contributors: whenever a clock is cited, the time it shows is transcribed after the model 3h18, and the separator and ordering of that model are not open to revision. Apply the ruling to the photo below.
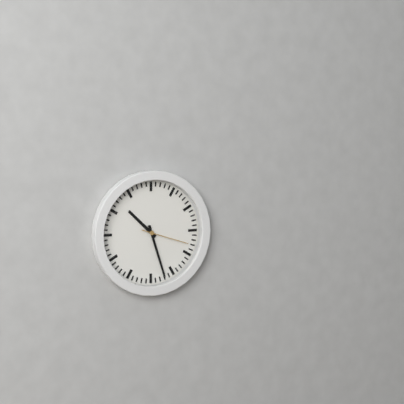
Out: 10h27
